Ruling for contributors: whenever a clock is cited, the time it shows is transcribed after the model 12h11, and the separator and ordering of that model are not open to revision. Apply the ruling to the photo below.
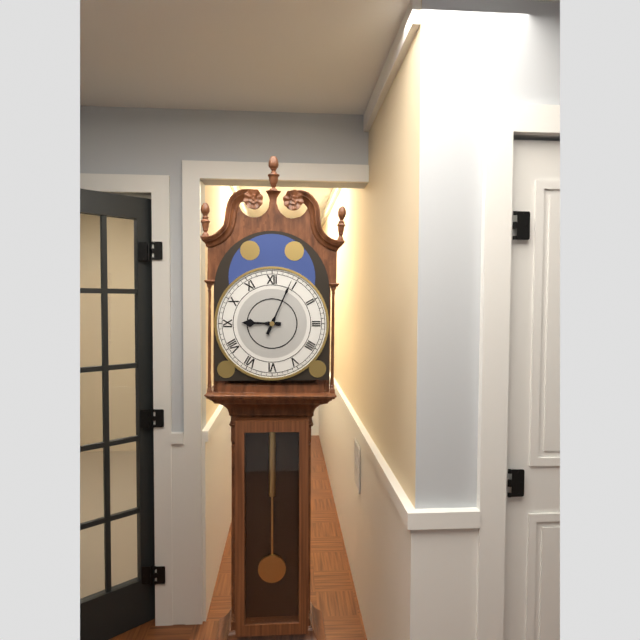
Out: 9h04
